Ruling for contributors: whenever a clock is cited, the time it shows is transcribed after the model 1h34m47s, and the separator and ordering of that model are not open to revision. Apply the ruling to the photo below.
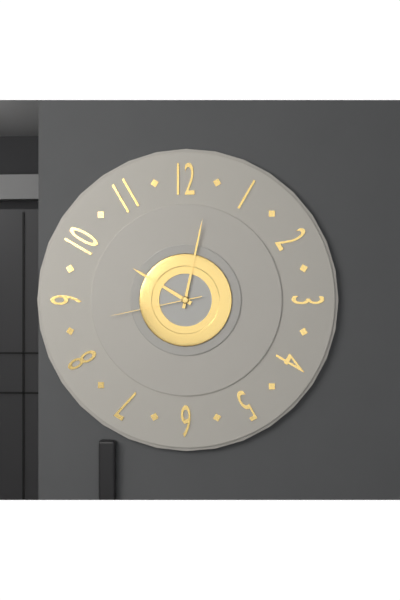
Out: 10h02m43s
